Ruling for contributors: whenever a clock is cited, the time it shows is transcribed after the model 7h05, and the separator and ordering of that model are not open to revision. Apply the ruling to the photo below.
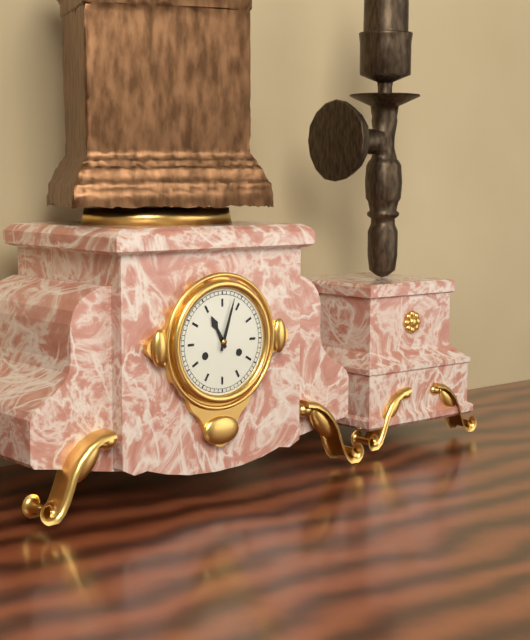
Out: 11h03
